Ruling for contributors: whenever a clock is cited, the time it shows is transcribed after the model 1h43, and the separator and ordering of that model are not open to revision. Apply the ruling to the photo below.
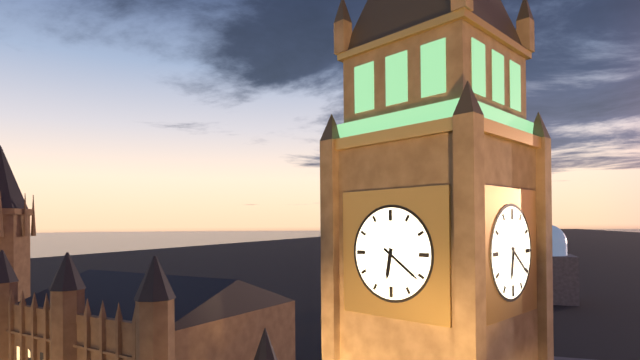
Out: 6h21
